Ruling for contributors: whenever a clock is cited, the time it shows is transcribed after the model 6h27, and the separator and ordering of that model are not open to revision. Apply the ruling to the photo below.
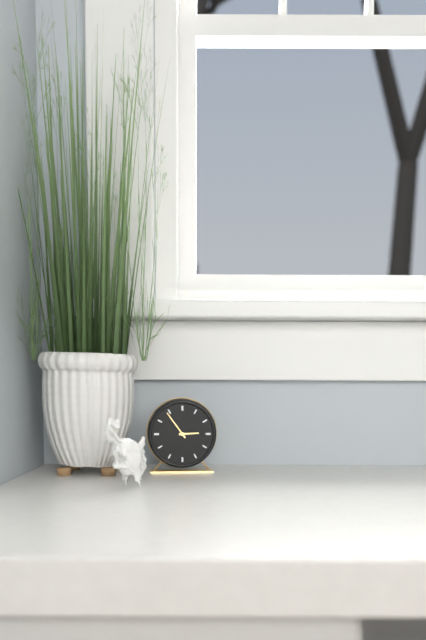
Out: 2h54
